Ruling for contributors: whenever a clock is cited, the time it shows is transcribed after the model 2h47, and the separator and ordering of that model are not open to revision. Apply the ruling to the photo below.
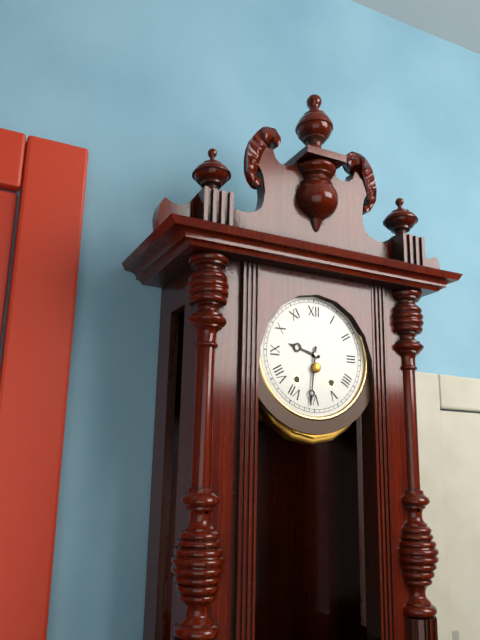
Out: 9h31
